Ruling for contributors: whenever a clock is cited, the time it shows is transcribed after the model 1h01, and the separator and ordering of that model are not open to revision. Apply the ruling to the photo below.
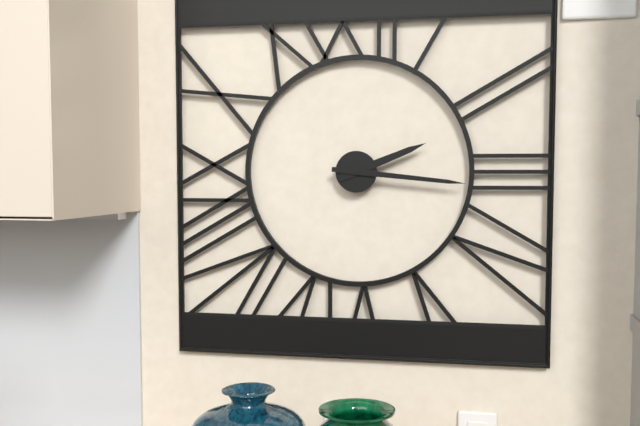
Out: 2h16
